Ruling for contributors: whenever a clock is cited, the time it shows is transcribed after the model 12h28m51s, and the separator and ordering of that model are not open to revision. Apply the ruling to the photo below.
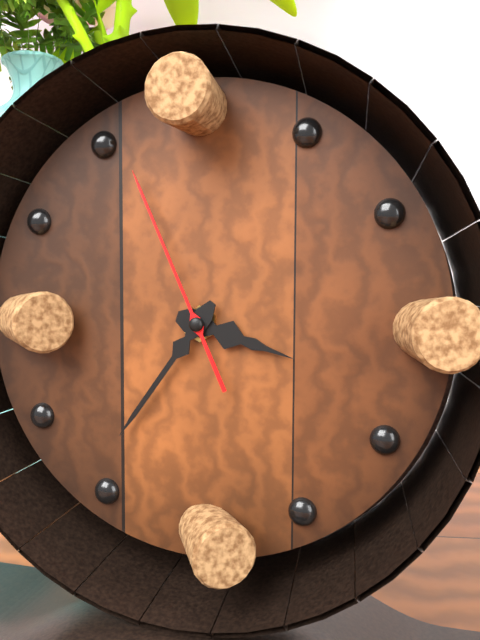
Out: 3h36m56s
